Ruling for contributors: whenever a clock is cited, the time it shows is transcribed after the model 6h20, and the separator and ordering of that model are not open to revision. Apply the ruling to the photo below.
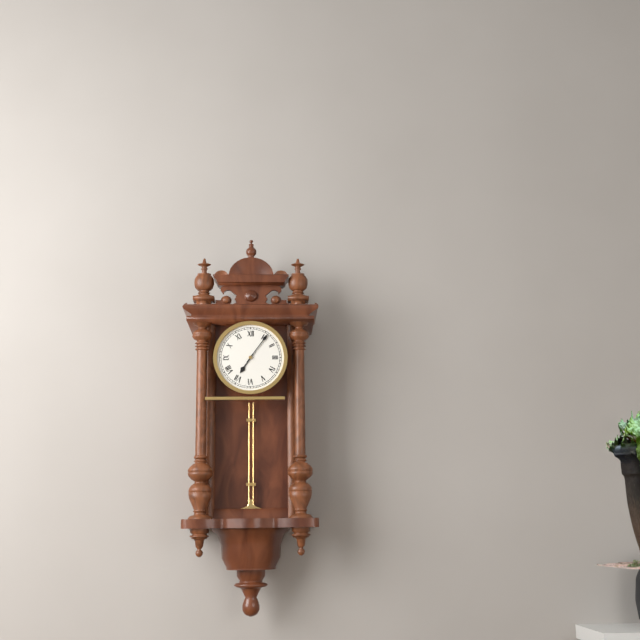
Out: 7h06
